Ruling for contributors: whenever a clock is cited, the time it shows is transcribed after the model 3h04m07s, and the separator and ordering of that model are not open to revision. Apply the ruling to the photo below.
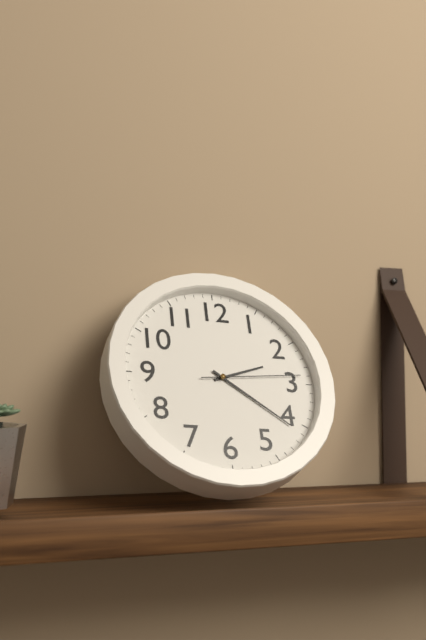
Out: 2h21m14s
